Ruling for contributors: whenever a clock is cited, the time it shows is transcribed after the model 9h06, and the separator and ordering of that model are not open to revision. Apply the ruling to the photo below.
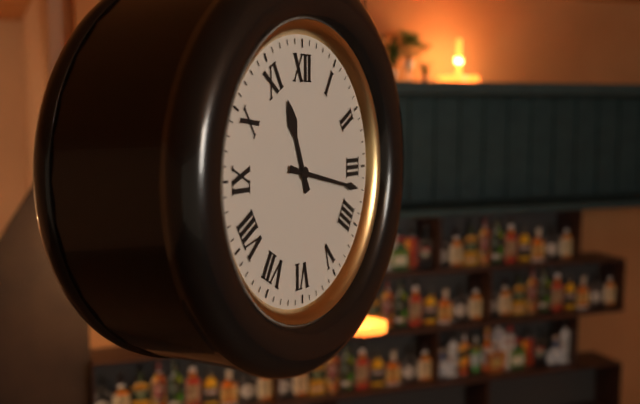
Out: 11h17
